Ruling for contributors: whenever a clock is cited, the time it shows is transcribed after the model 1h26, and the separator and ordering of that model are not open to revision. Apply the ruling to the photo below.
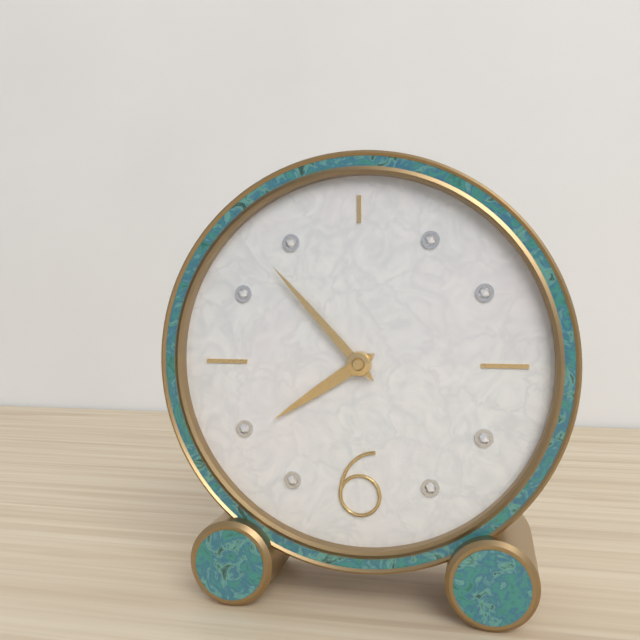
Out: 7h53
